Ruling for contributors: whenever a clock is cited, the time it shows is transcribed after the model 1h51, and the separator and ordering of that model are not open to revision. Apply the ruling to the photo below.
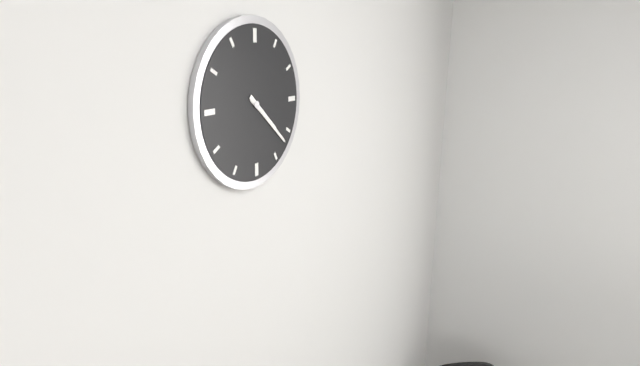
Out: 4h22
